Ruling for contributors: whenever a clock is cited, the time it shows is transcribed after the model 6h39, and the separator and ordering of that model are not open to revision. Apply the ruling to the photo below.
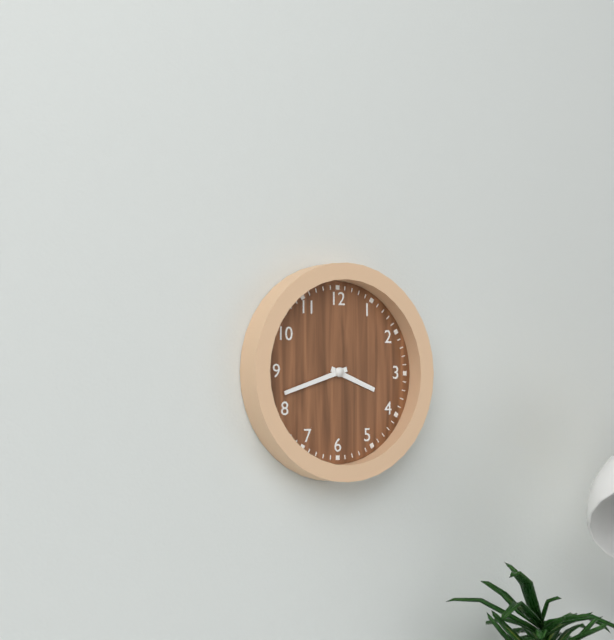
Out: 3h42
